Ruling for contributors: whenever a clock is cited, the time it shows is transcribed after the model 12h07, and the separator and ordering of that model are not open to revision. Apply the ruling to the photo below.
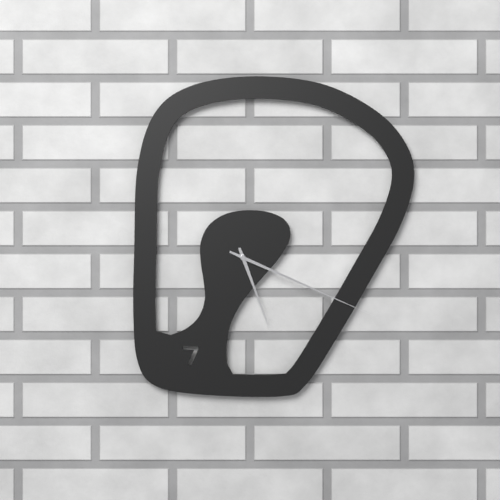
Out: 5h19
